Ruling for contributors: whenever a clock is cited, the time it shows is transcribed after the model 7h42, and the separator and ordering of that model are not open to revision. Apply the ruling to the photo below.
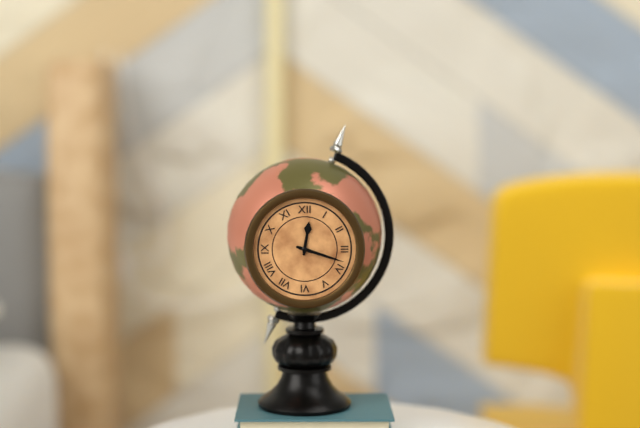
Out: 12h18
